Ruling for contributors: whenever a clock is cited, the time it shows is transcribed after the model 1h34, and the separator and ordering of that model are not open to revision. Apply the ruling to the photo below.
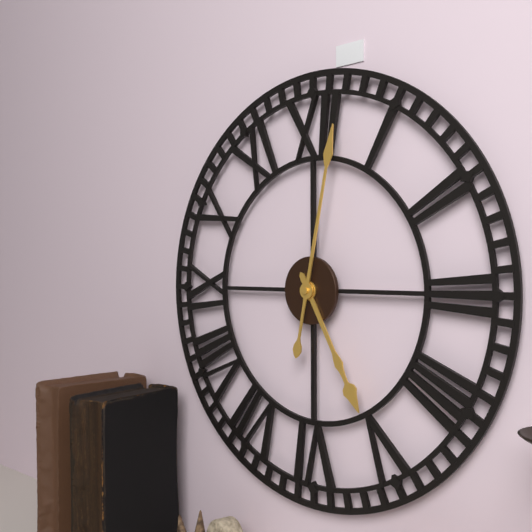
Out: 5h02
